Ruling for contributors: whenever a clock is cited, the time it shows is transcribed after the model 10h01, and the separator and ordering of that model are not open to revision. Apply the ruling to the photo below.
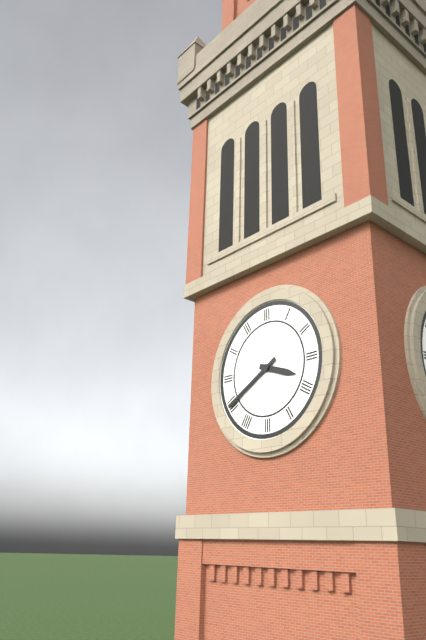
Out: 3h40
